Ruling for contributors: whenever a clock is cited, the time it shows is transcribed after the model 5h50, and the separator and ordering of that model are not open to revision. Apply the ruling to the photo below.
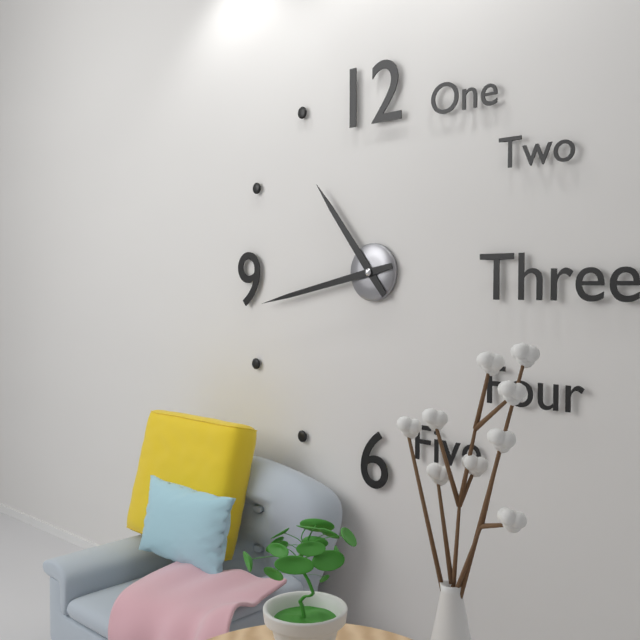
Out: 10h43
